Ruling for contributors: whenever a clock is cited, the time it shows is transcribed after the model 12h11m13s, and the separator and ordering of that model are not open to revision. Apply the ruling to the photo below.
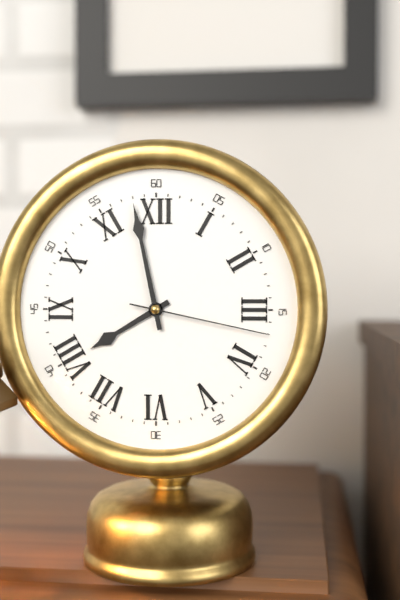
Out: 7h58m17s
